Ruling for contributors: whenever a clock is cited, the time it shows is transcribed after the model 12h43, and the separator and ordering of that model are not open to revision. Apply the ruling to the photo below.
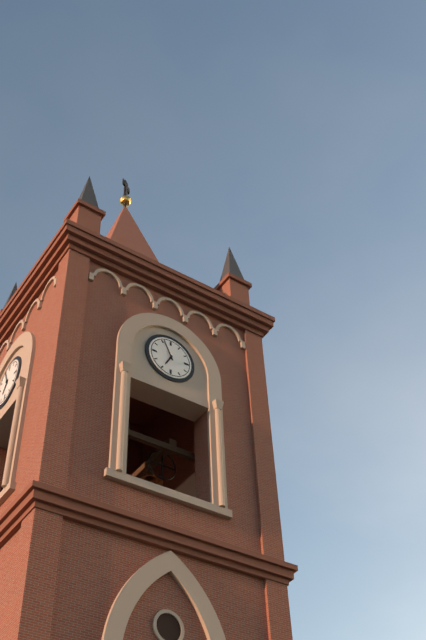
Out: 6h56
